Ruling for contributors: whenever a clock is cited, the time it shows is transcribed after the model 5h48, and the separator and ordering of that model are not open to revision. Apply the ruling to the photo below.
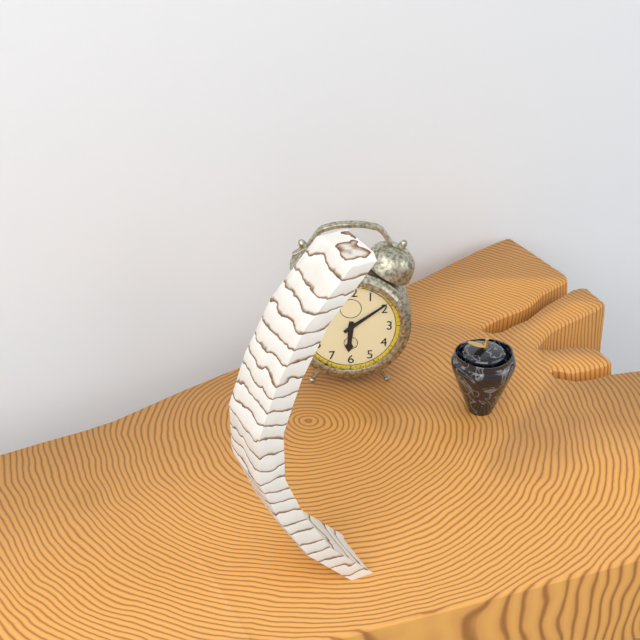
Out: 6h09
